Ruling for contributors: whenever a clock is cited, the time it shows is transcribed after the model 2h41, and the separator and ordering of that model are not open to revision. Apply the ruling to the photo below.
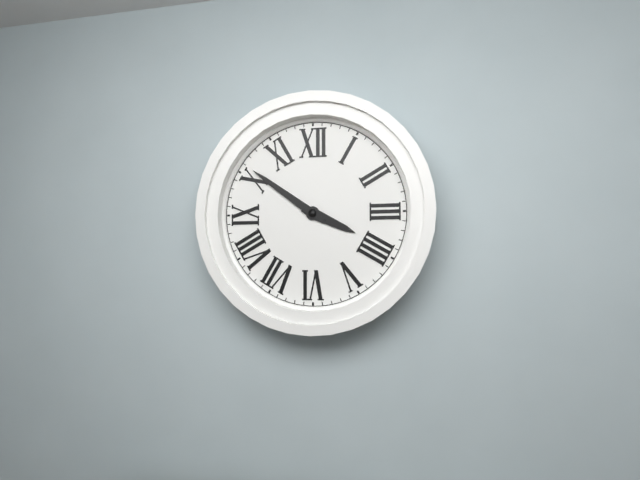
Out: 3h51
